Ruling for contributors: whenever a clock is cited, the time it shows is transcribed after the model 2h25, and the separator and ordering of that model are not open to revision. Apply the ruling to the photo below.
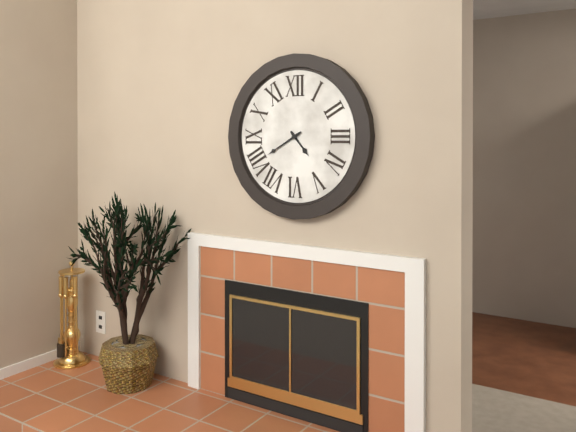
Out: 4h40
